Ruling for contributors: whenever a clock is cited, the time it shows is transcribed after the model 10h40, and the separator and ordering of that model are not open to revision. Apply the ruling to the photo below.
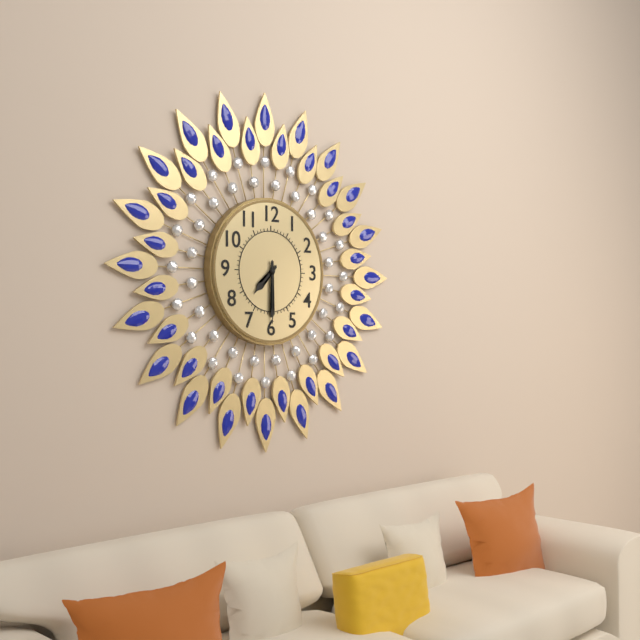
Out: 7h30
